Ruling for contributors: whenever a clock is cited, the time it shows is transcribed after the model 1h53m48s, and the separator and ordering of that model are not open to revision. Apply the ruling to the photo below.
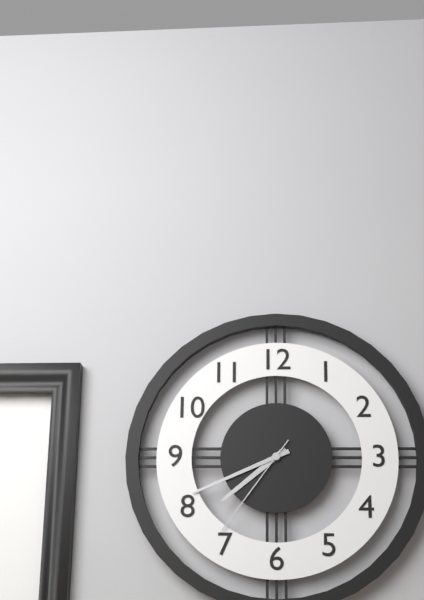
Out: 7h41m36s
